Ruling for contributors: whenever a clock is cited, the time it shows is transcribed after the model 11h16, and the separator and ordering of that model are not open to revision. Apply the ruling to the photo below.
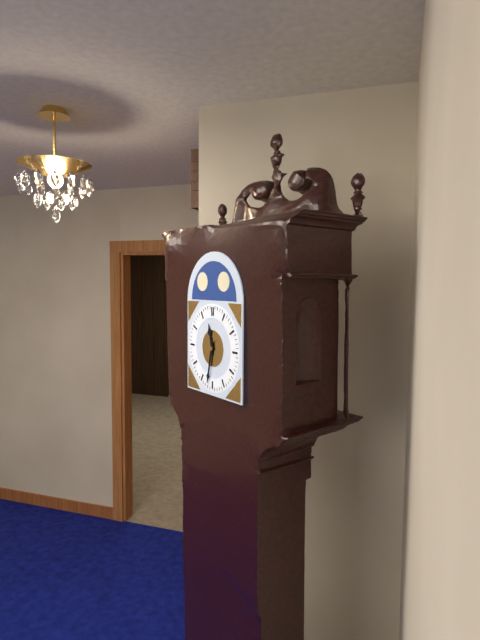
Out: 11h32
